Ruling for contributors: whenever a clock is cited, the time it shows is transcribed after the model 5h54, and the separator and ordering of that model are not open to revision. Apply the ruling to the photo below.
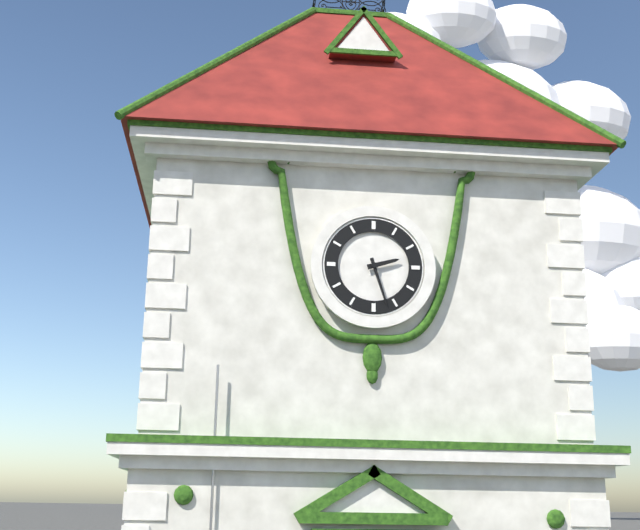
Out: 2h27
